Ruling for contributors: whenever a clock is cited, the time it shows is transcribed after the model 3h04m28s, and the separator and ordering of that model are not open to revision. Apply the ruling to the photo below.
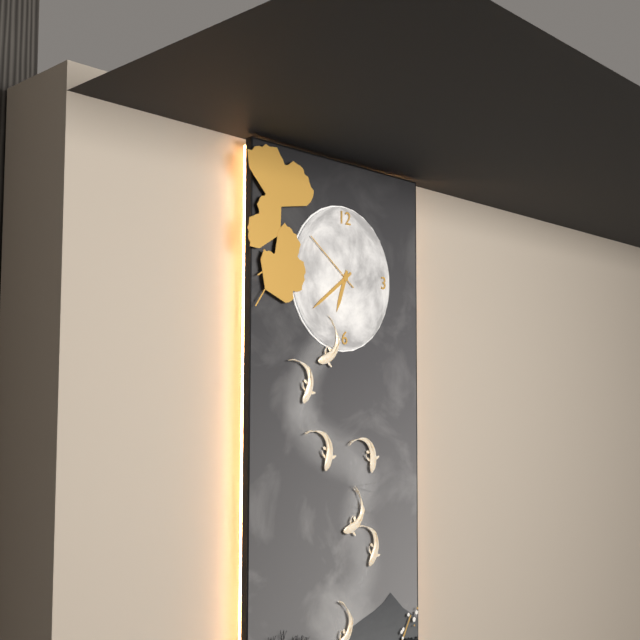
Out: 6h39m51s
